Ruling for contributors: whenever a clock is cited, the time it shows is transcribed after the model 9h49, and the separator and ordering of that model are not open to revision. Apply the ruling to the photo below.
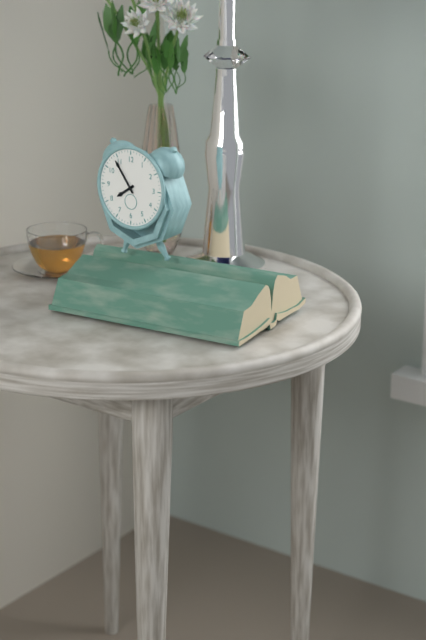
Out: 7h54
